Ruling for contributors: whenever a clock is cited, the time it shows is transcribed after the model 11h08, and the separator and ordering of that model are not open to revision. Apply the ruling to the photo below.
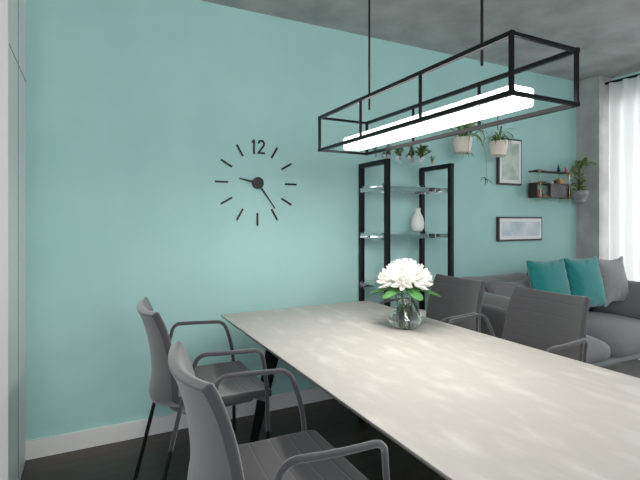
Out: 9h24
